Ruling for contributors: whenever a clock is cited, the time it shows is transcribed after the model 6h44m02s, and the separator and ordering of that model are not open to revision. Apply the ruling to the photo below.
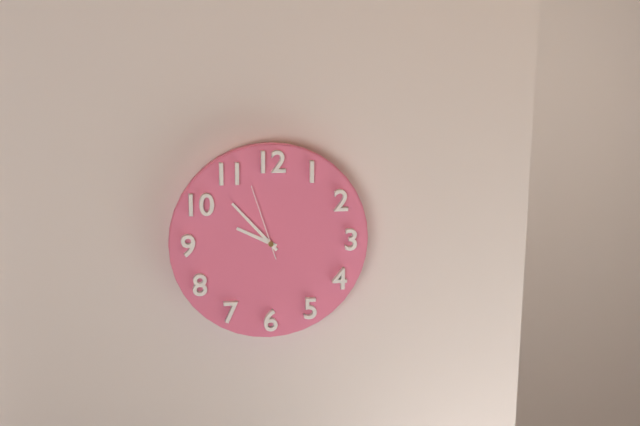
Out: 9h53m57s
